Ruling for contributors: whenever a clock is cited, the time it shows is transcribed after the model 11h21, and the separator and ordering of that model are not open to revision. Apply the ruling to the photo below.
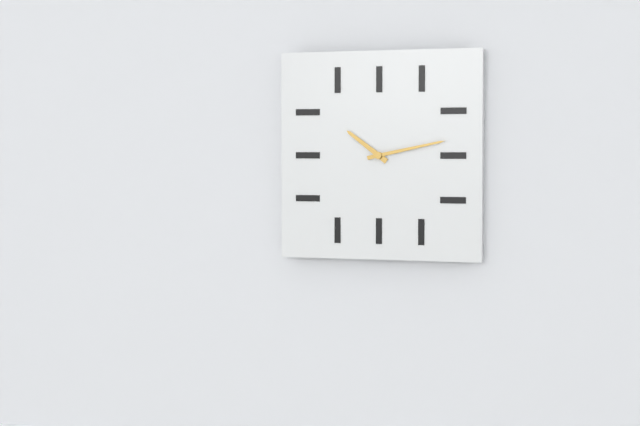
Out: 10h13
